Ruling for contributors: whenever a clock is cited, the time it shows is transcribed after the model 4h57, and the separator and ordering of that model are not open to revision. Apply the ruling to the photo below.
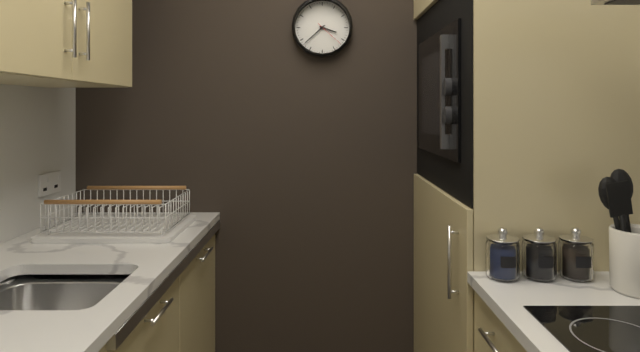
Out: 3h38
